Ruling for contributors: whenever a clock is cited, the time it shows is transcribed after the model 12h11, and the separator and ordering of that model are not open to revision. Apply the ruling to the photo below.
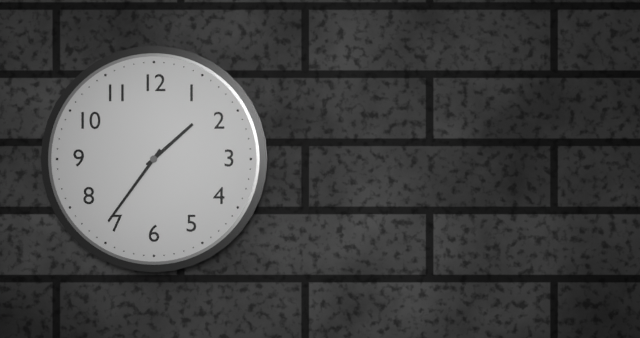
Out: 1h36
